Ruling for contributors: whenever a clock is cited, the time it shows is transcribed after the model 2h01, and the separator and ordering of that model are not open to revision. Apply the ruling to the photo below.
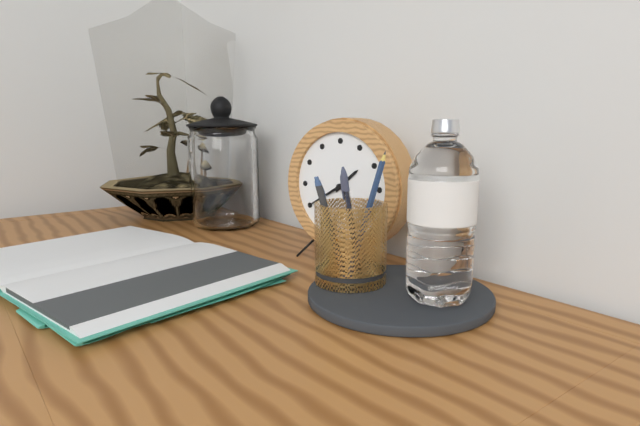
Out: 1h40
